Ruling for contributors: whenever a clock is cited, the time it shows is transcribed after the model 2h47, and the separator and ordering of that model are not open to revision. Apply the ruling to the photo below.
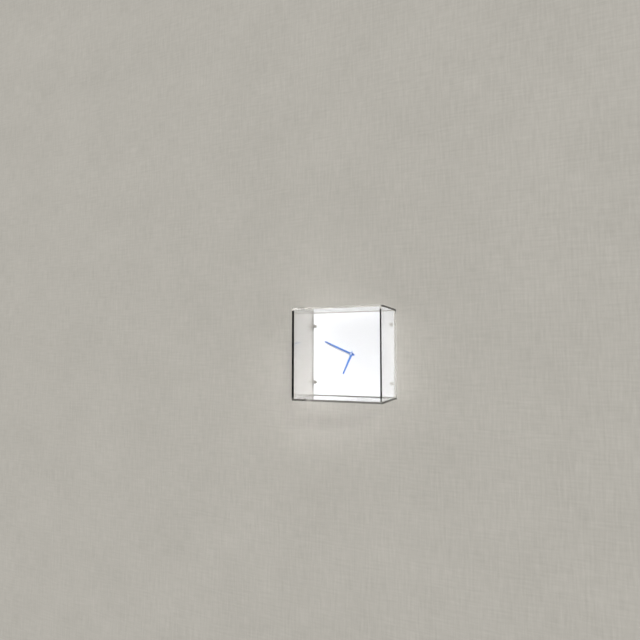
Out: 6h49
